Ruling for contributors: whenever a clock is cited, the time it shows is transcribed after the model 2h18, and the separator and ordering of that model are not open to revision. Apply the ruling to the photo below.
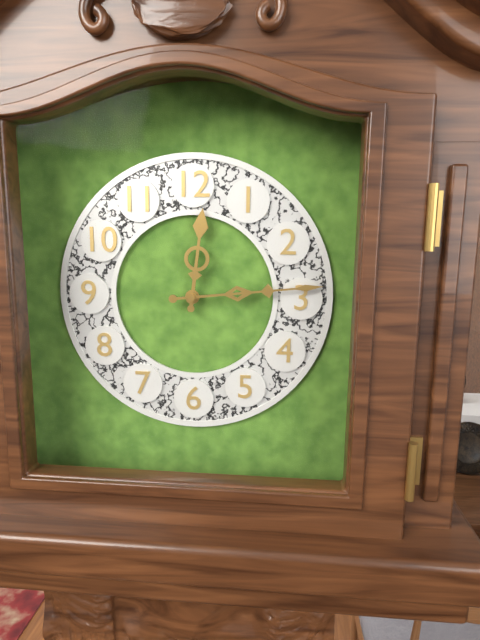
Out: 12h14
